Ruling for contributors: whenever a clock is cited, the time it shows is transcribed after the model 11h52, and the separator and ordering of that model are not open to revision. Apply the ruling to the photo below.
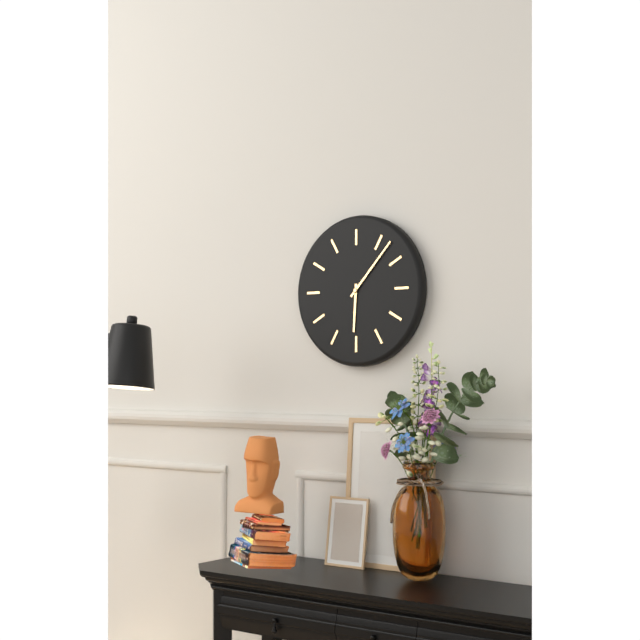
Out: 6h07
